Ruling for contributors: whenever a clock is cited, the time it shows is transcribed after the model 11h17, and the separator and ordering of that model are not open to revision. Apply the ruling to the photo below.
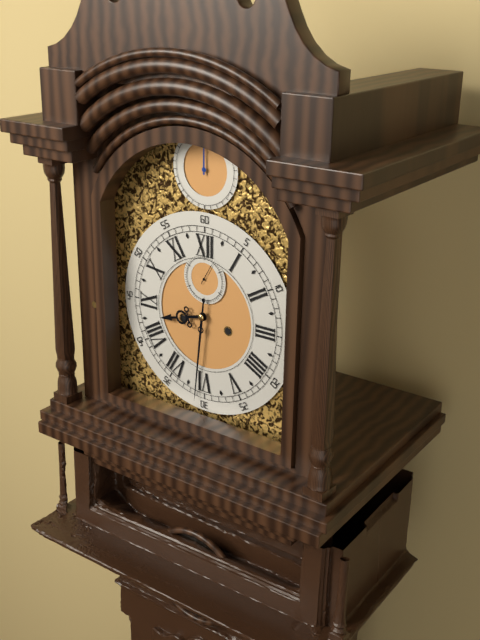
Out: 8h31
